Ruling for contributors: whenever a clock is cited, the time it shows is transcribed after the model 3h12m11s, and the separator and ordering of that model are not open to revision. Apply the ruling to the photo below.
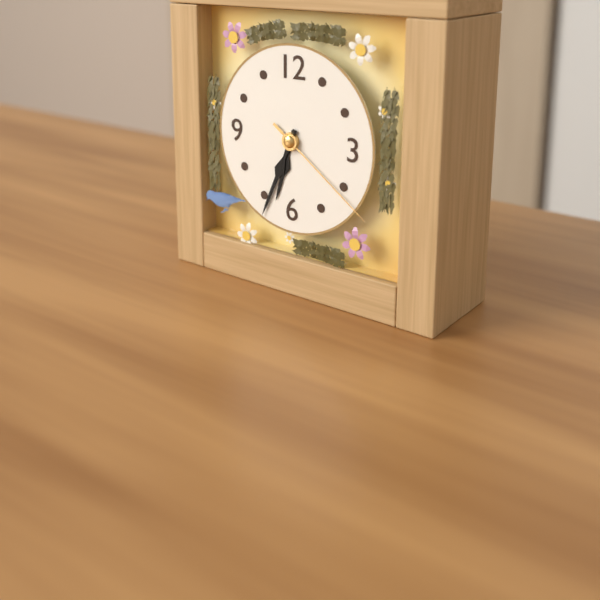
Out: 6h34m21s
